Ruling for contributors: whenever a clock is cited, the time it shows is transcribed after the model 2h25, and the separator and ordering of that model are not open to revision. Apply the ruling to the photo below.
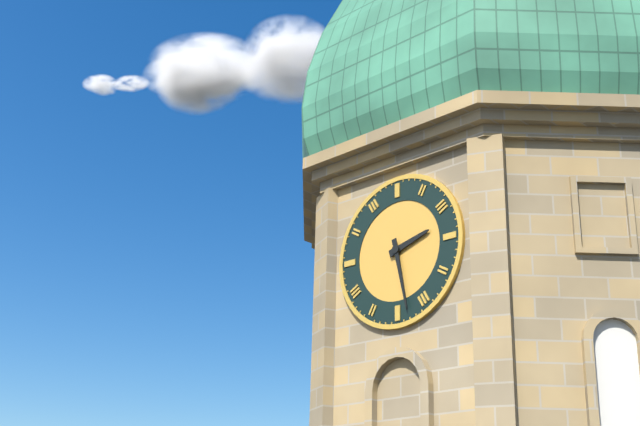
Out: 2h28
